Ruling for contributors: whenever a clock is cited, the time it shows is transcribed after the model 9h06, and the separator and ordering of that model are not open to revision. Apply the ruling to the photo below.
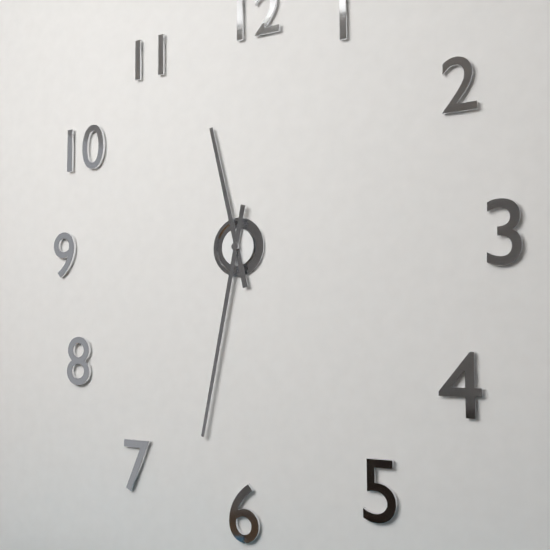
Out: 11h32
